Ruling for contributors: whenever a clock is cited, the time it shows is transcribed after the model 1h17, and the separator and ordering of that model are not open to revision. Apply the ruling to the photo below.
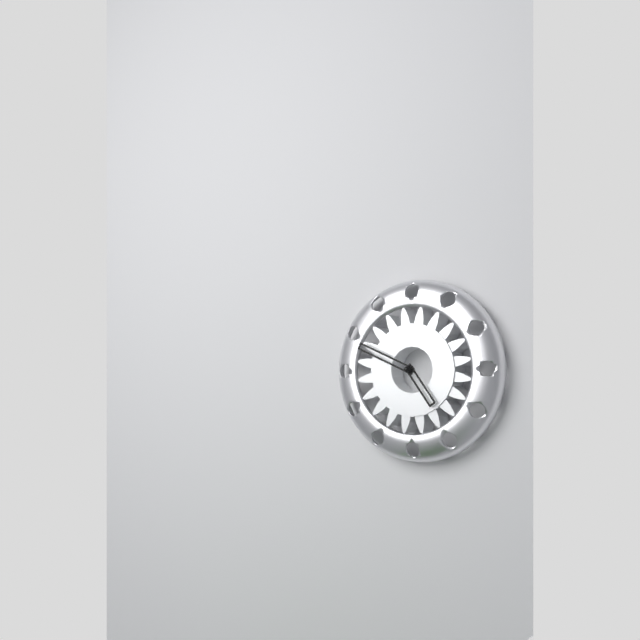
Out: 4h49
